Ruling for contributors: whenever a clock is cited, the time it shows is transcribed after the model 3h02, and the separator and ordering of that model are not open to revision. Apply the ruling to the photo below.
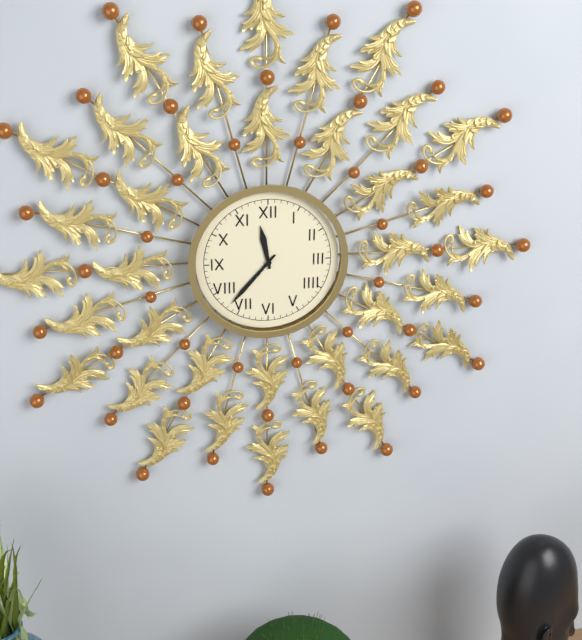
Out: 11h37
